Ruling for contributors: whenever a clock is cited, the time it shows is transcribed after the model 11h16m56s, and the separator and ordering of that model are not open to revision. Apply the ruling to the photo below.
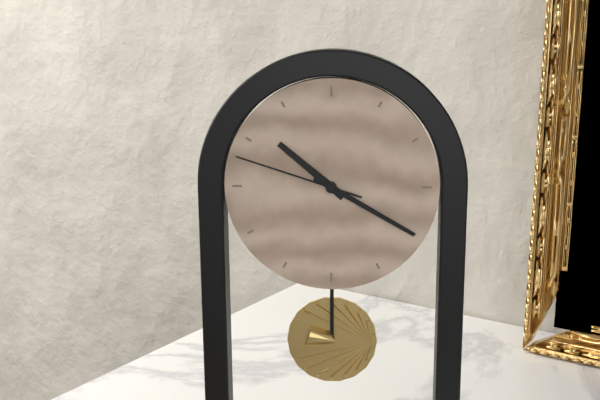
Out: 10h20m48s
